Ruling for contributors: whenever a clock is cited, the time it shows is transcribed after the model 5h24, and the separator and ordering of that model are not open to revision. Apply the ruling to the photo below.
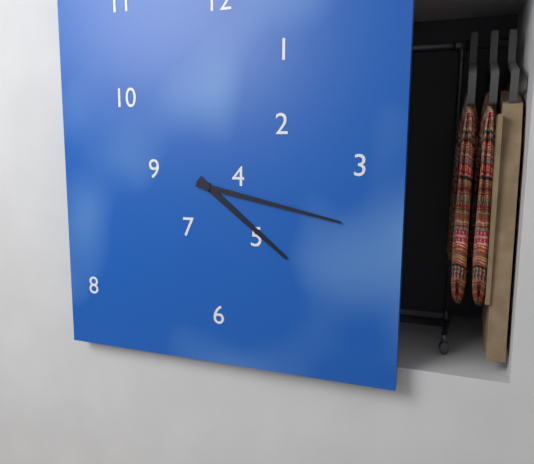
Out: 4h17
